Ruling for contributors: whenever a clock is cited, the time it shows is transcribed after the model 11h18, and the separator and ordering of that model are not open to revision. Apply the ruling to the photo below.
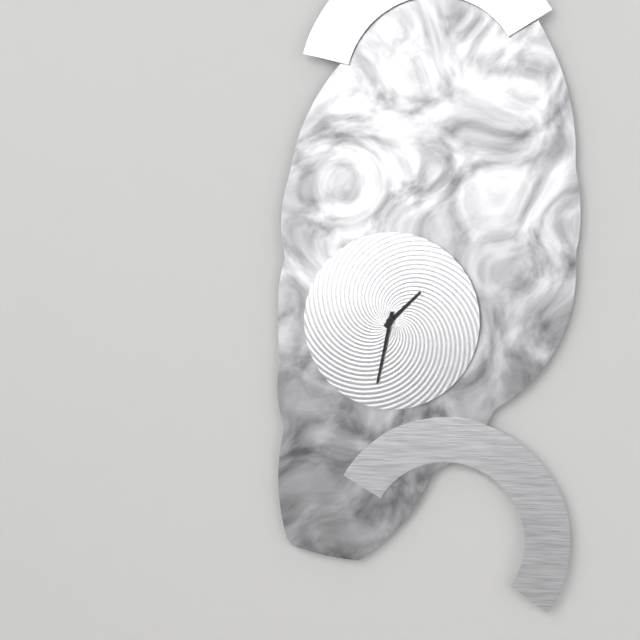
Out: 1h32
